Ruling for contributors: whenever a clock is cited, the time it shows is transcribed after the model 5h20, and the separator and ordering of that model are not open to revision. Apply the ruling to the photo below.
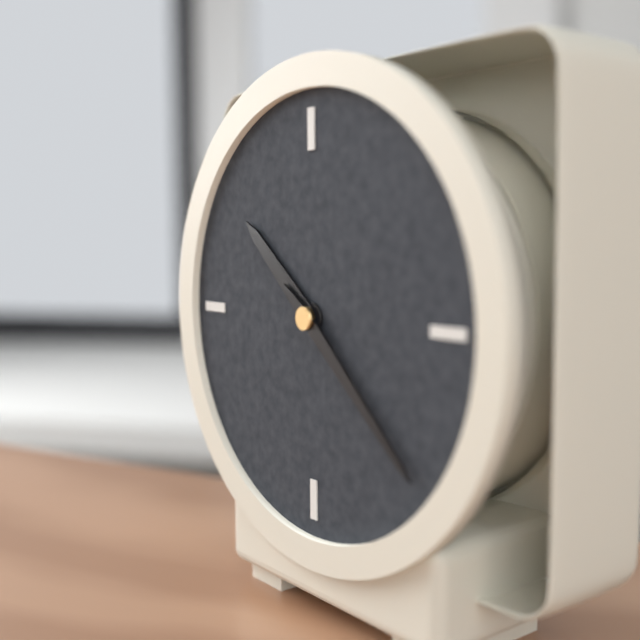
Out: 10h22
